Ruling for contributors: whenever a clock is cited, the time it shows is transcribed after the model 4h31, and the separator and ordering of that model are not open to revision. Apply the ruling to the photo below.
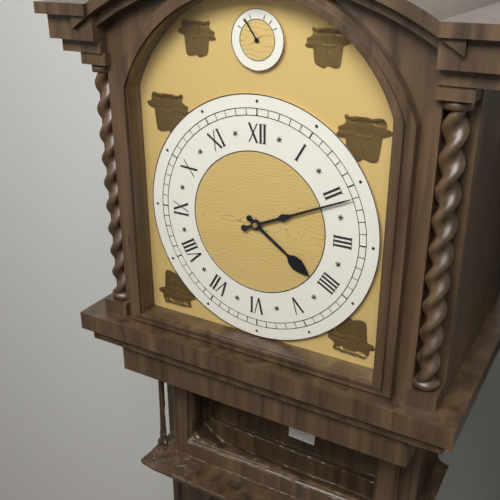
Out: 4h11
